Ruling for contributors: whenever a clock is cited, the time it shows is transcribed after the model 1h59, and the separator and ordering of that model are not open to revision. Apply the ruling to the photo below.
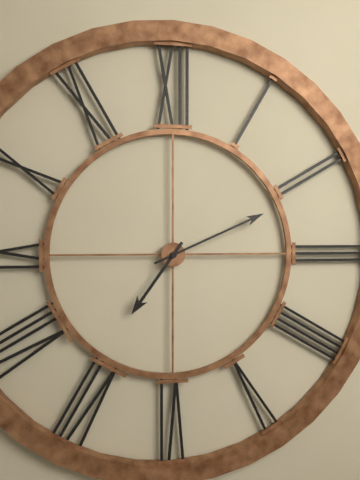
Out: 7h11
